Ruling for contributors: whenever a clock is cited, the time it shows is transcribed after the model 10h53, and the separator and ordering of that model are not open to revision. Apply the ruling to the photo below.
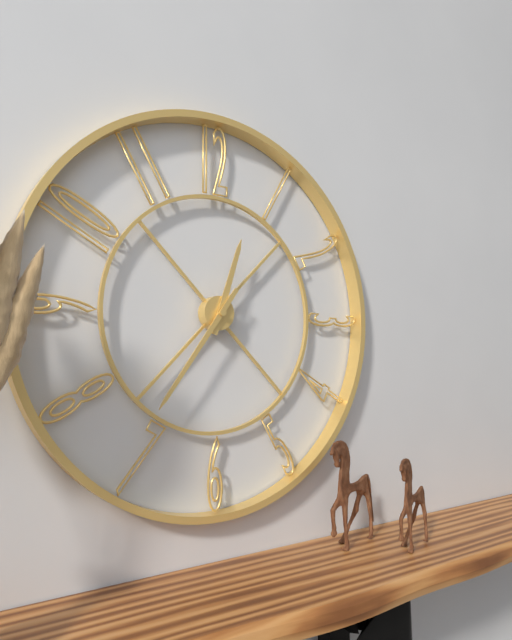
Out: 12h36
